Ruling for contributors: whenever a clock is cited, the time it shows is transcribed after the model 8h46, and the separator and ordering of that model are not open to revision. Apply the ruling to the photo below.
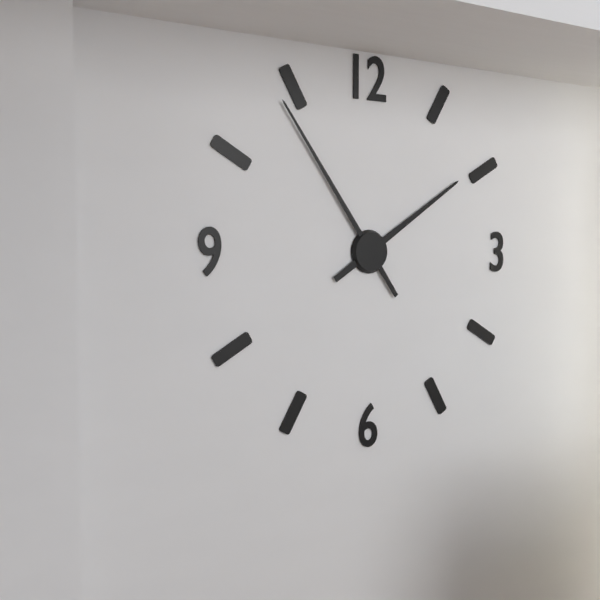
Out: 1h54
